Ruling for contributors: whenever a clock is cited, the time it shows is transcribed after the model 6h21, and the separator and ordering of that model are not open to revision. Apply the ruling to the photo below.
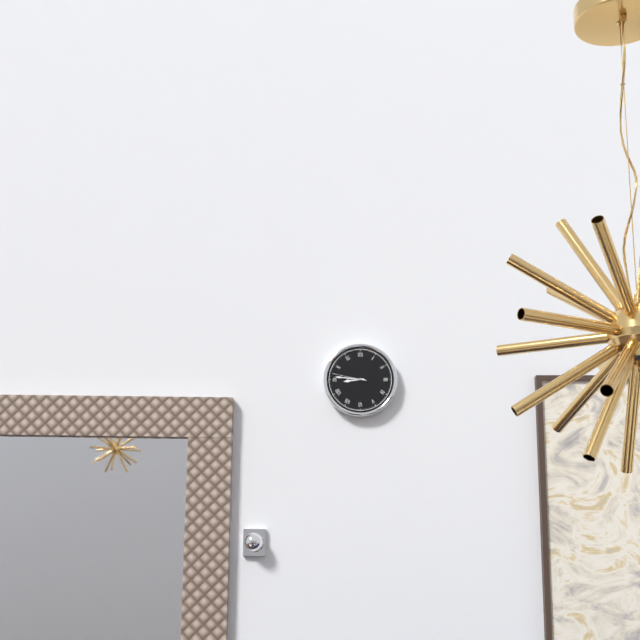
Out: 8h46
